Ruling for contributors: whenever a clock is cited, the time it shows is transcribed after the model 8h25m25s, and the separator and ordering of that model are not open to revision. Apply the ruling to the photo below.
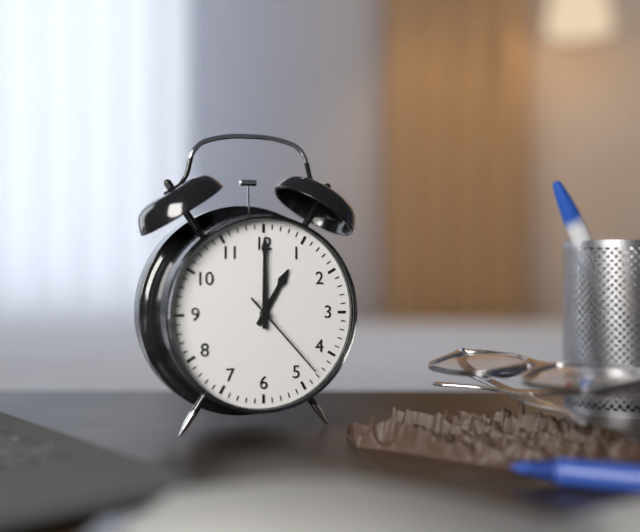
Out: 1h00m23s
